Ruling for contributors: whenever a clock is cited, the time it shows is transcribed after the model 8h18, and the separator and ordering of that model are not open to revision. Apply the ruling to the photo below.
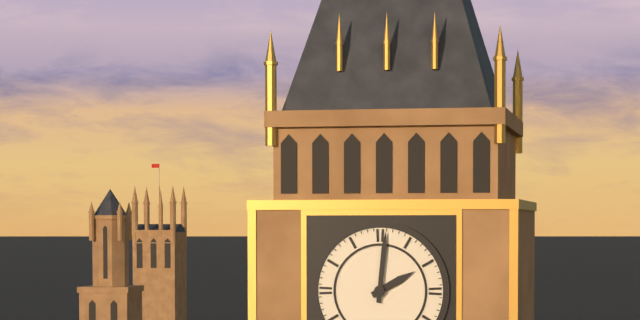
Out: 2h01
